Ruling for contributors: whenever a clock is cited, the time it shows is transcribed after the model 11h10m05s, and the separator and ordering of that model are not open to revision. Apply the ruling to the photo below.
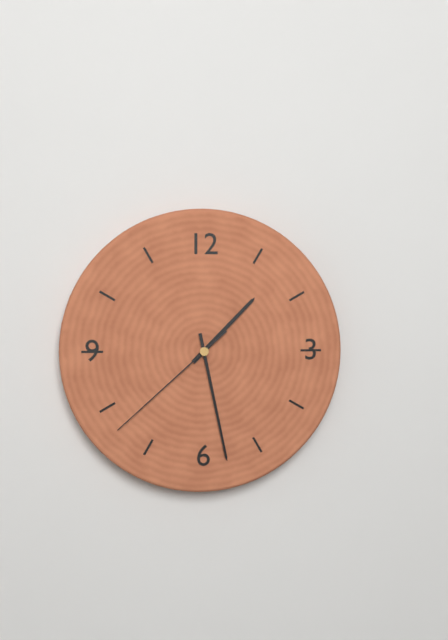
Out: 1h28m38s
